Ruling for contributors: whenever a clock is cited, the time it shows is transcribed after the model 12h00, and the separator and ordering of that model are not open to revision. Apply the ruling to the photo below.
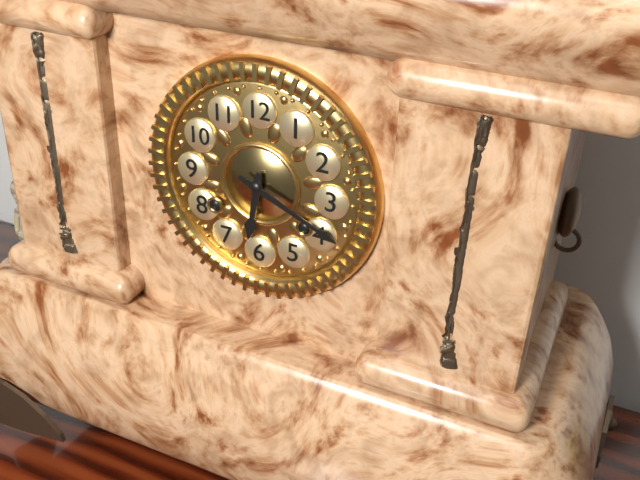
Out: 6h19
